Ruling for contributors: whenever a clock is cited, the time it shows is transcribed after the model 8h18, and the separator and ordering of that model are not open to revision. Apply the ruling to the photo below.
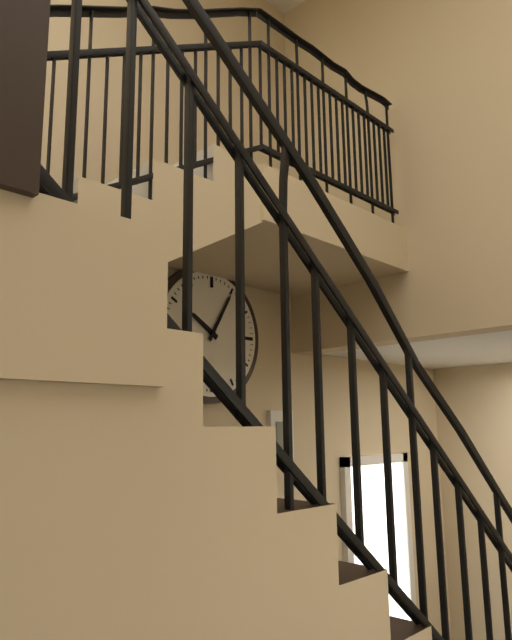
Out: 10h05
